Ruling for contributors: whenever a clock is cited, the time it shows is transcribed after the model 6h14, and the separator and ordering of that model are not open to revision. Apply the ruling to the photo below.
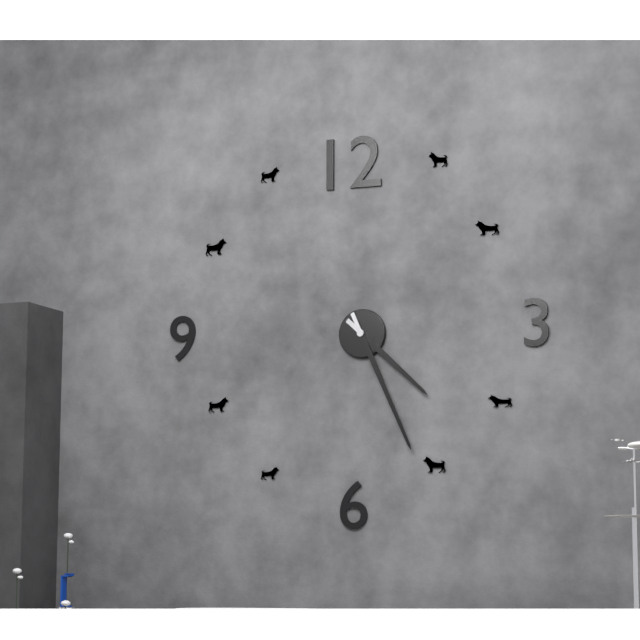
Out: 4h26
